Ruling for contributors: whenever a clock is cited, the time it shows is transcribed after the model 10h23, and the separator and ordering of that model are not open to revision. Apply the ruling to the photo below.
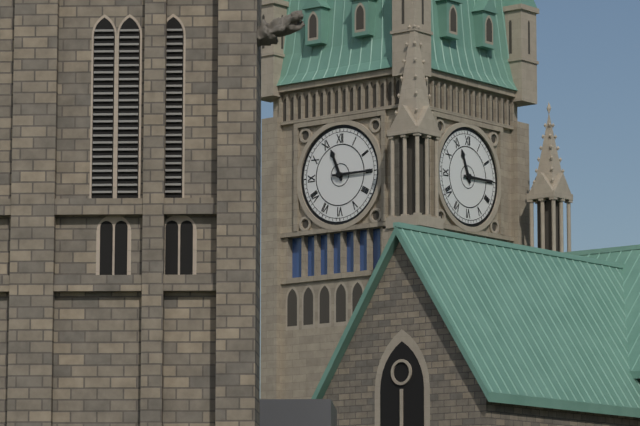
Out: 11h15
